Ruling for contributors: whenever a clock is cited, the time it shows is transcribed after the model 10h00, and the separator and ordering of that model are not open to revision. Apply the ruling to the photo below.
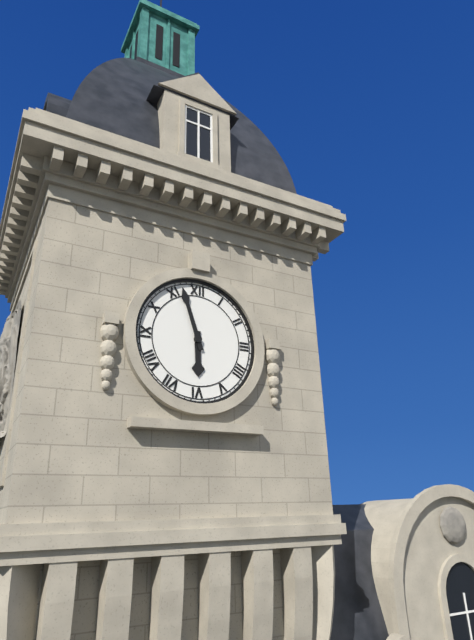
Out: 5h57
